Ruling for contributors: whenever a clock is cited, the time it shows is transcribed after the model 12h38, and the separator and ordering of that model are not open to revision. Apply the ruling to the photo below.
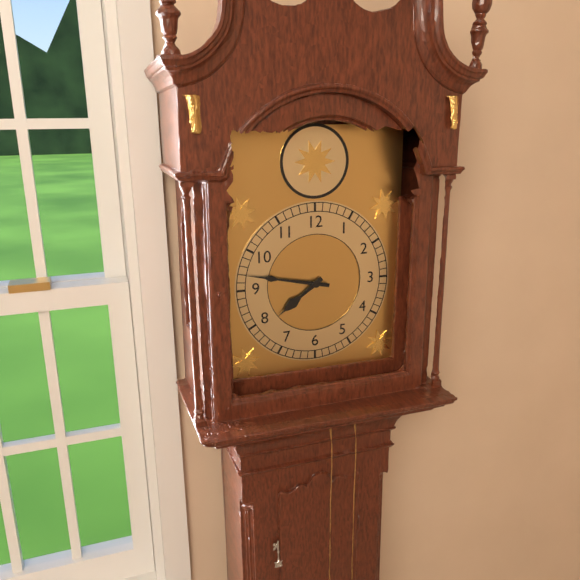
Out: 7h47
